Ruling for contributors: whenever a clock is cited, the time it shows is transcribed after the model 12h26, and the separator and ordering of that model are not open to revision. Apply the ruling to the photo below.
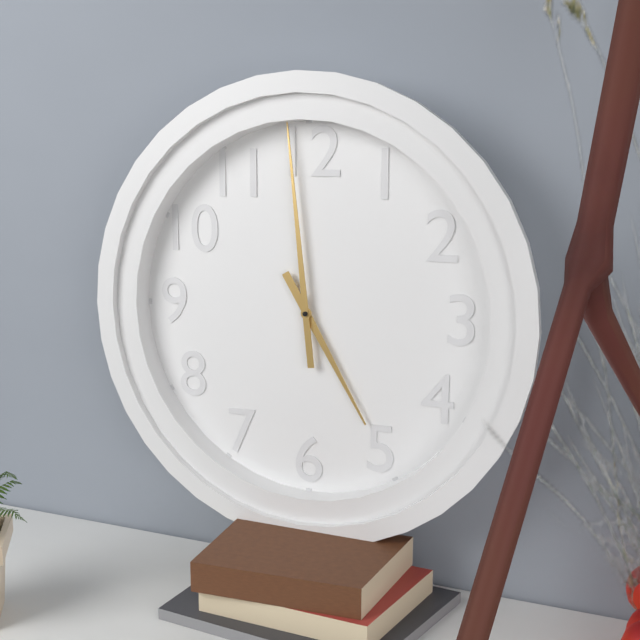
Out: 4h59
